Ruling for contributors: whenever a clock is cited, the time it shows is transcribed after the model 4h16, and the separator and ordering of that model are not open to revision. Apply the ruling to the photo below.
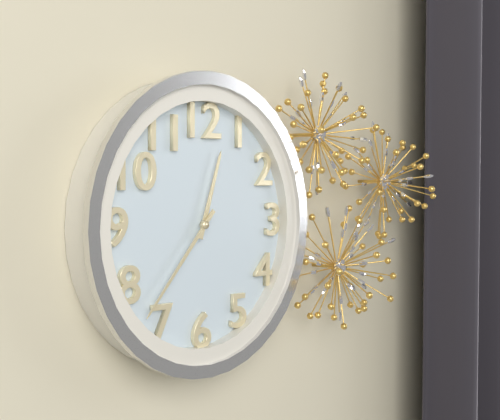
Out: 12h37
